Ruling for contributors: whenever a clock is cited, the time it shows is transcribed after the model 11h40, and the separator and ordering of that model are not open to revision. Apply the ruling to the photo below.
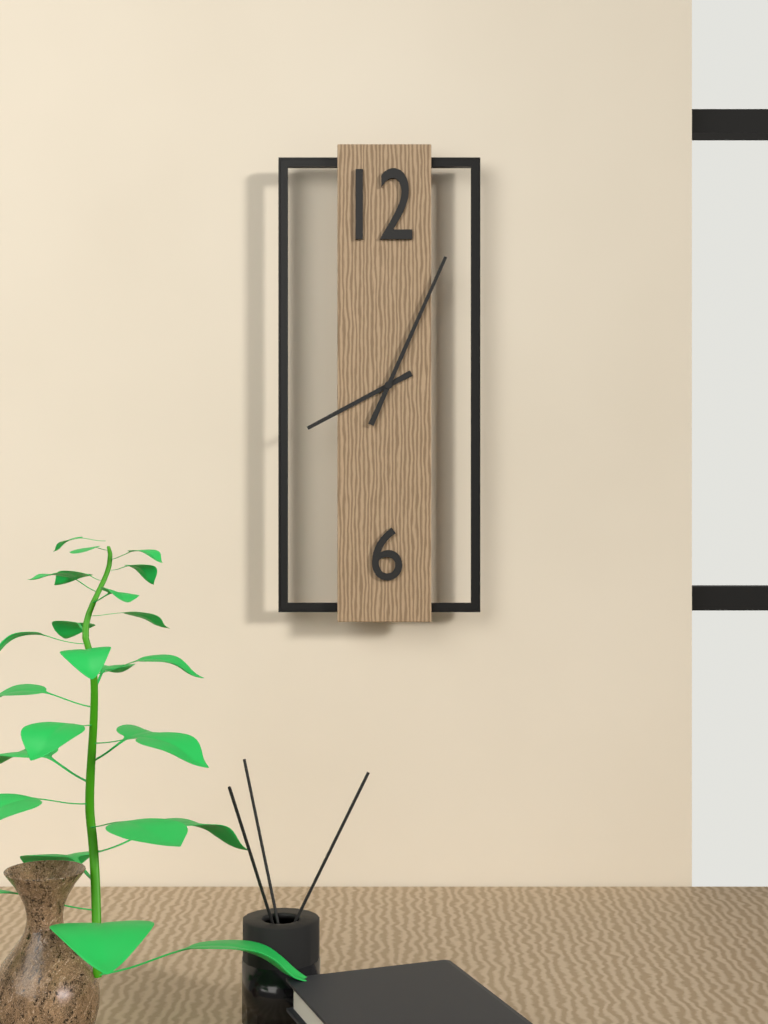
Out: 8h04
